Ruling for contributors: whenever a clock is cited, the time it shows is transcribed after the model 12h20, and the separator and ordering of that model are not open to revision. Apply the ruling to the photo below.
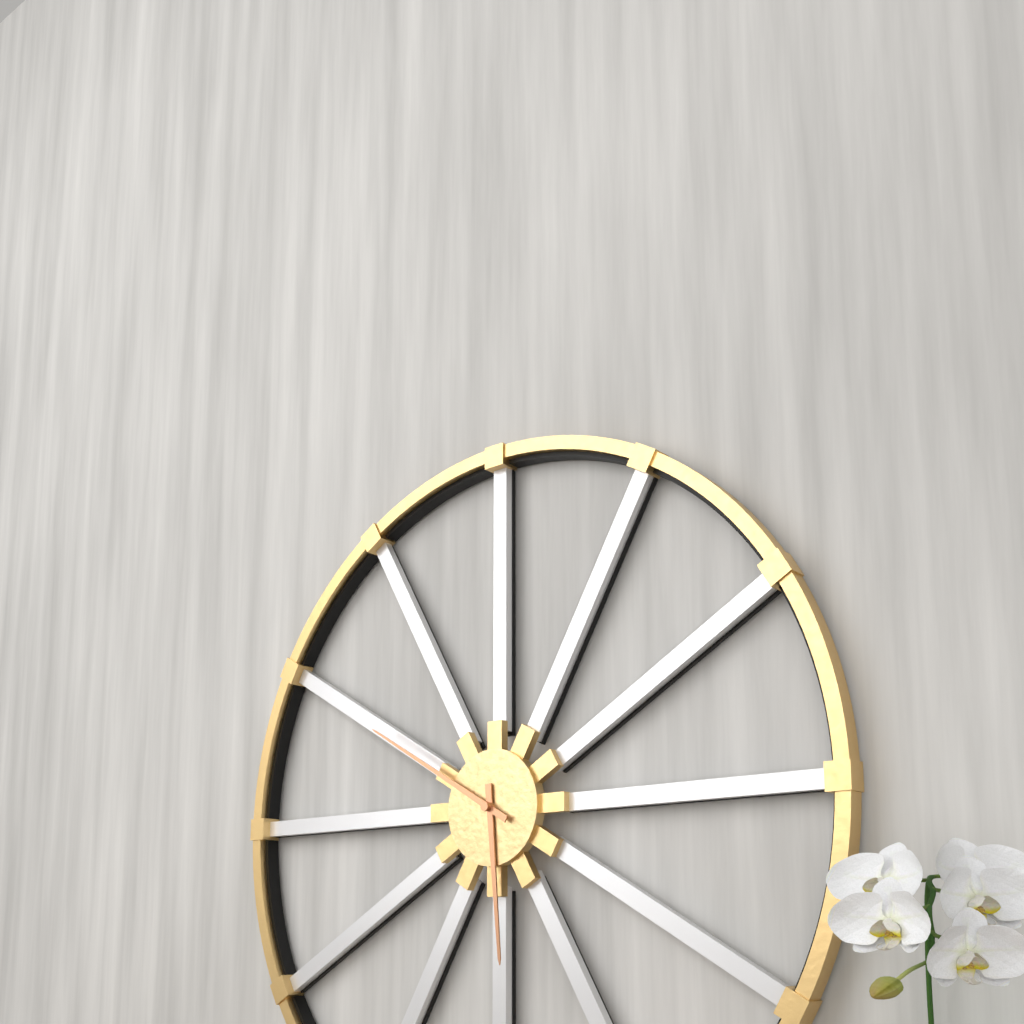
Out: 5h50
